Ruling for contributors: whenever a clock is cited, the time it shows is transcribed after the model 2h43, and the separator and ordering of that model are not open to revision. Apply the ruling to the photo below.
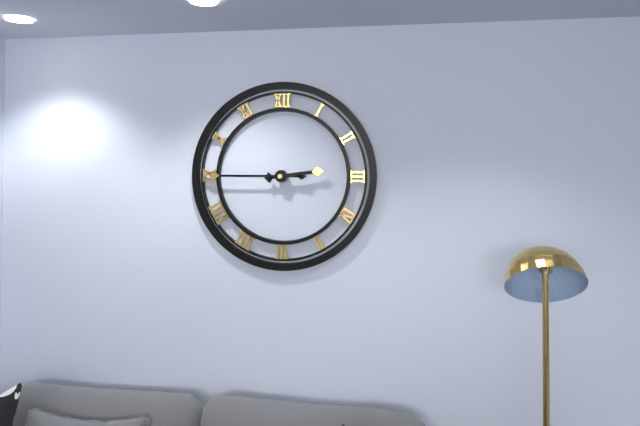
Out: 2h45
